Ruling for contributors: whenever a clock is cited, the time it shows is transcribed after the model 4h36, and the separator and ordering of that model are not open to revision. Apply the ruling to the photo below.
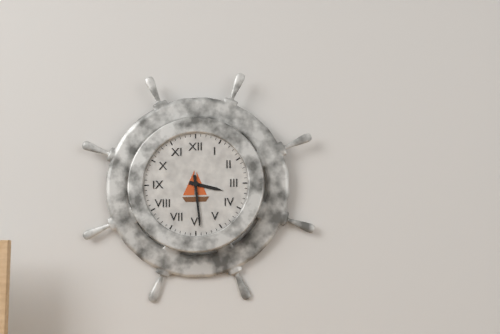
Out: 3h29
